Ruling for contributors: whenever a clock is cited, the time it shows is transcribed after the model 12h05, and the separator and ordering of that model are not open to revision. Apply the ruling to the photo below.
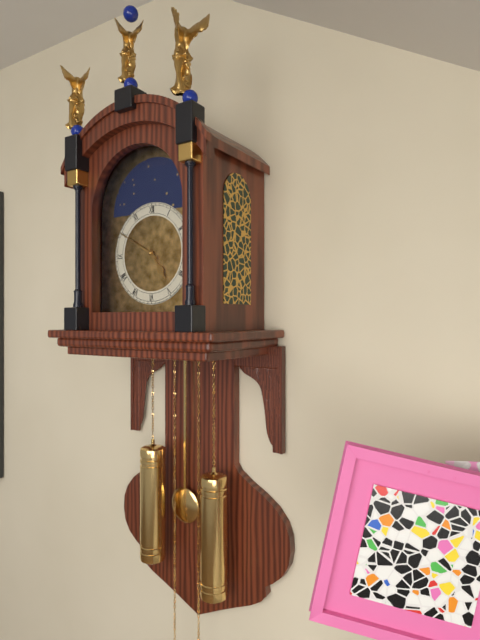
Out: 4h50
